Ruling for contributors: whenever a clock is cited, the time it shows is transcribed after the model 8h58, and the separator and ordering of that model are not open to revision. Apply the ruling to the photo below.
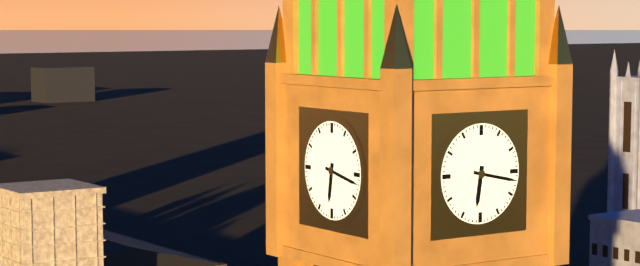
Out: 6h17
